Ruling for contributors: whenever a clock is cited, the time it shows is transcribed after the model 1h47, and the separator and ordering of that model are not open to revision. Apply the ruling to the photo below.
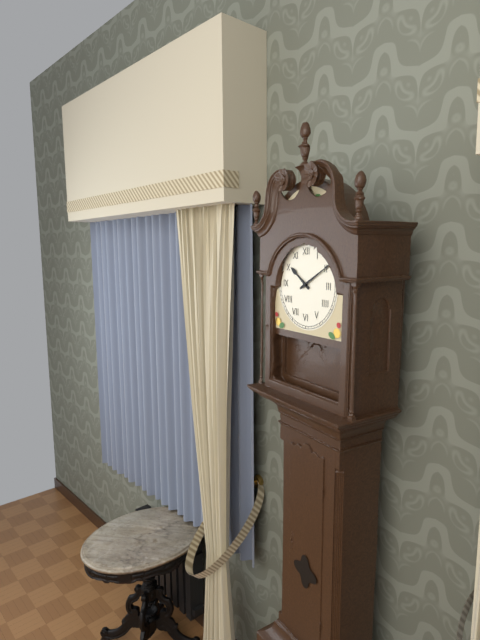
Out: 10h10
